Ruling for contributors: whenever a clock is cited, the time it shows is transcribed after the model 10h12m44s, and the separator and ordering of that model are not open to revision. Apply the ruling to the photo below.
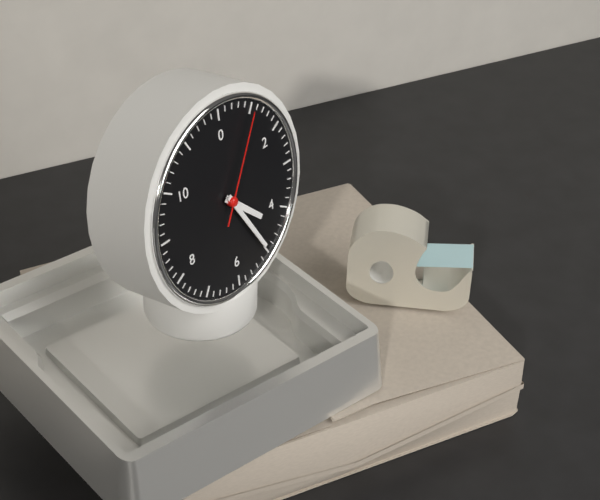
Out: 4h25m05s
